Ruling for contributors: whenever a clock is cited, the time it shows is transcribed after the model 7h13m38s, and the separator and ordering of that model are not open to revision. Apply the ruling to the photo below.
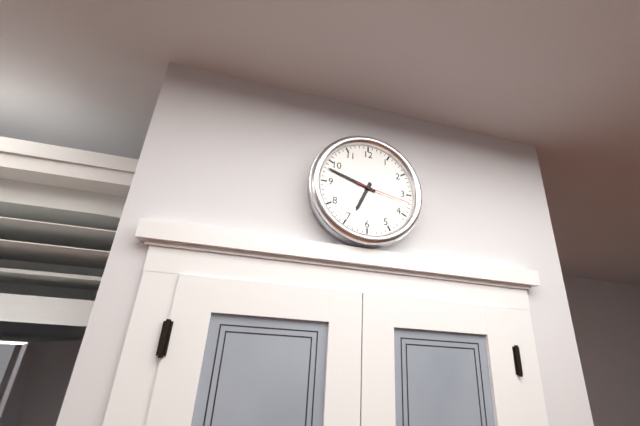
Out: 6h48m17s
